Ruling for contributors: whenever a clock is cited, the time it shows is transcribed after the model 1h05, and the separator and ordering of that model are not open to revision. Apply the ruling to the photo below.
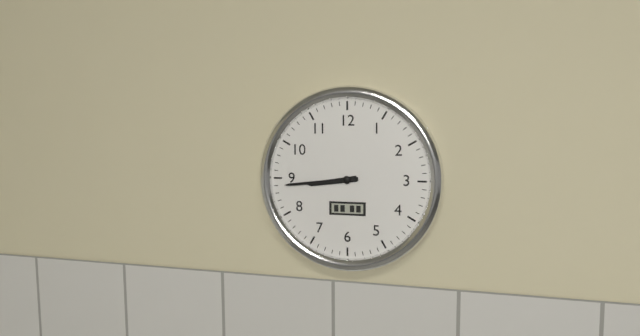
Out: 8h44
